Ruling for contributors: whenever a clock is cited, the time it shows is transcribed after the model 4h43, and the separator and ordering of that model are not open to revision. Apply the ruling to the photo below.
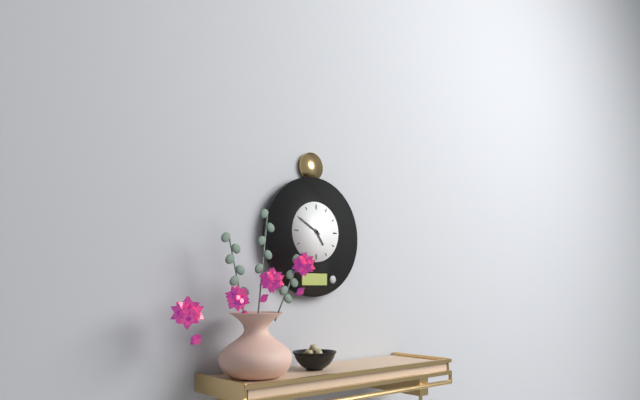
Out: 4h50
